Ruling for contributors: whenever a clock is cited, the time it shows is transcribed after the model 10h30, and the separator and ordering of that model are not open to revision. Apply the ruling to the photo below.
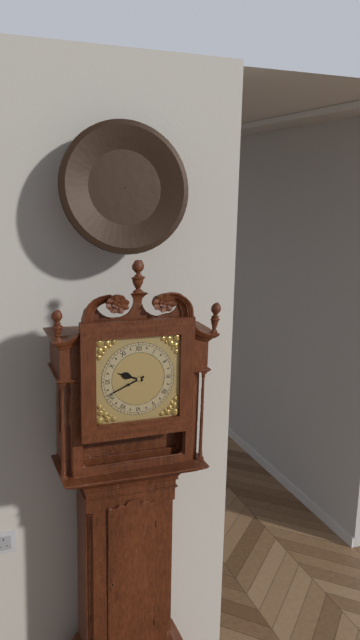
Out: 9h41
